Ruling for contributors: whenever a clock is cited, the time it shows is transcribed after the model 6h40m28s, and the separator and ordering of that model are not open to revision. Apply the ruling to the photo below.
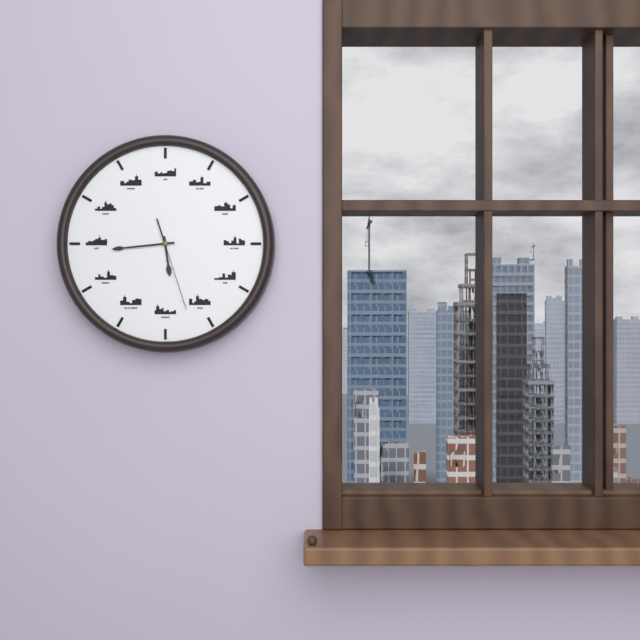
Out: 5h44m27s
